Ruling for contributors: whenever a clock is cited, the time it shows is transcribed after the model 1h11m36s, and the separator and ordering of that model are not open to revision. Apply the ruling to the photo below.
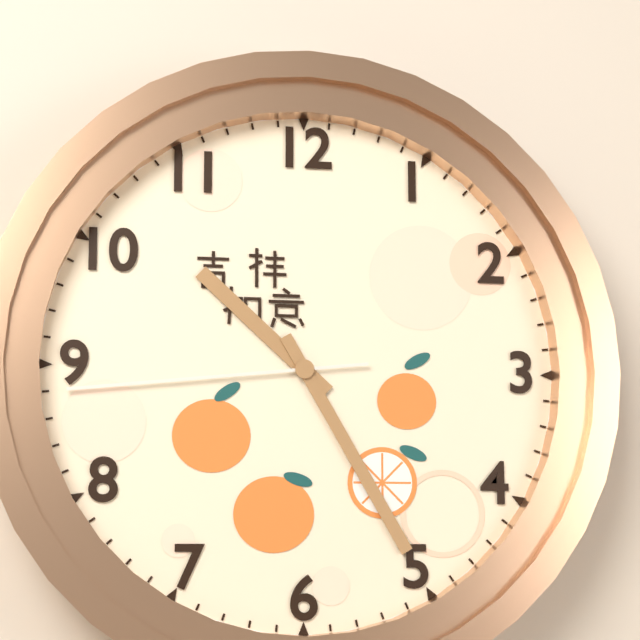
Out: 10h25m44s
